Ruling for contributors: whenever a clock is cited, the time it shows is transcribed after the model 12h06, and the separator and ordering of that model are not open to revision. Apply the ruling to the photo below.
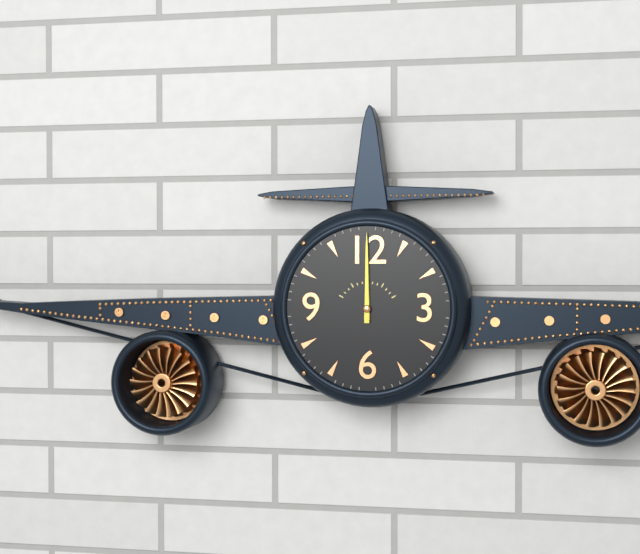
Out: 12h00
